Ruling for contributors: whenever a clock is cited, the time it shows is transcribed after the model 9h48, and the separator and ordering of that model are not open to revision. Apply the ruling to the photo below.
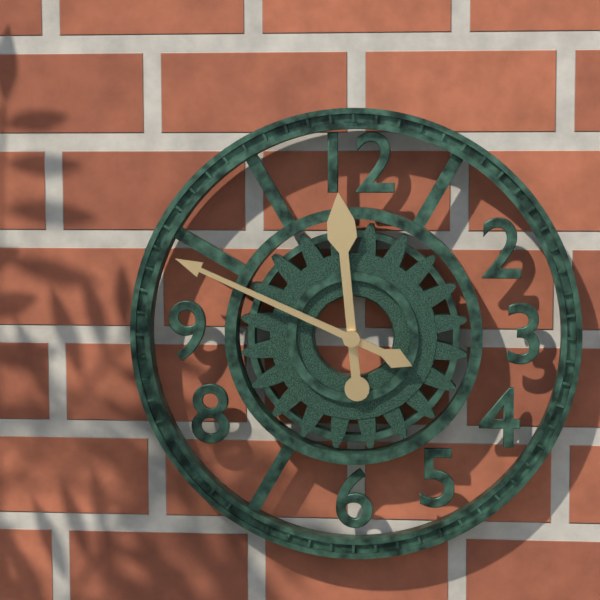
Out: 11h49
